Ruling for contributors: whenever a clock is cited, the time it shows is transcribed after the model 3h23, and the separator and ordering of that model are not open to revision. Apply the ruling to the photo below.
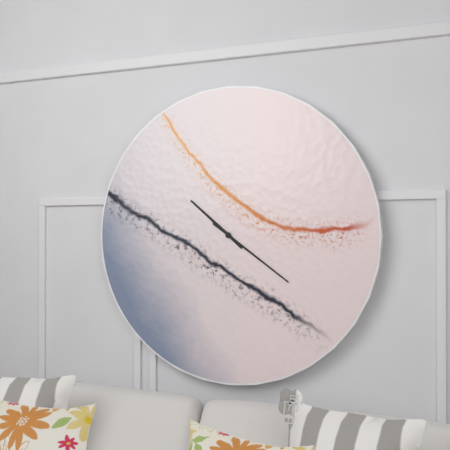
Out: 10h21
